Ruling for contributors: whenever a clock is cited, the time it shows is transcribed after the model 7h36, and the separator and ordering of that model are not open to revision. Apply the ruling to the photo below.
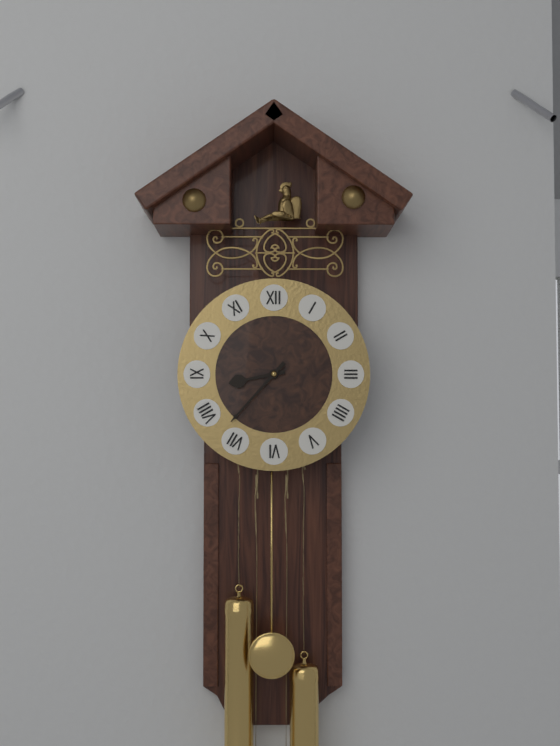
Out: 8h37
